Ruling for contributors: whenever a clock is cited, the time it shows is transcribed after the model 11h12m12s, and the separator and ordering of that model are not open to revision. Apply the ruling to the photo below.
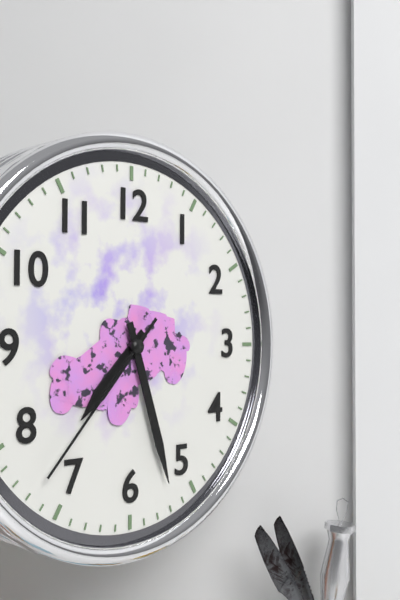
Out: 7h27m37s
